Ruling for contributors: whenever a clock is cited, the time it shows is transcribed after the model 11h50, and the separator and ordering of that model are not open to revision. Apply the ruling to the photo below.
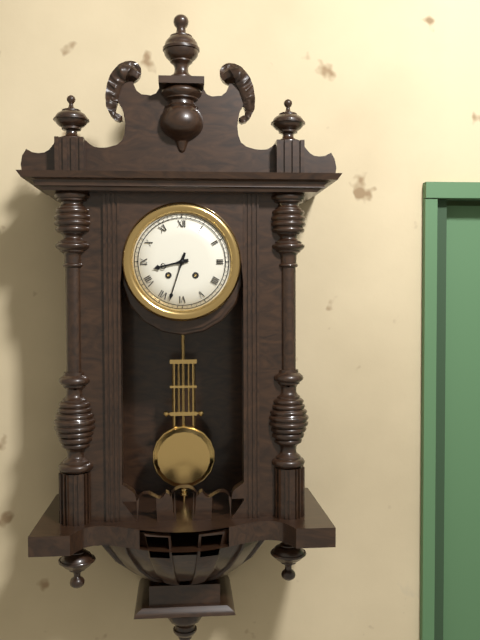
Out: 8h33
